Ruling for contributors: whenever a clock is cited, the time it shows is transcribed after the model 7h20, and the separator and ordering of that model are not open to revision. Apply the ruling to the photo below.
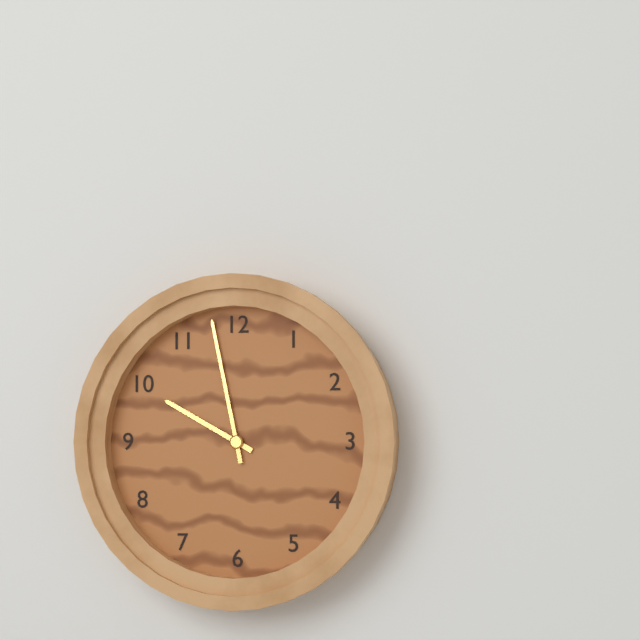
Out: 9h58
